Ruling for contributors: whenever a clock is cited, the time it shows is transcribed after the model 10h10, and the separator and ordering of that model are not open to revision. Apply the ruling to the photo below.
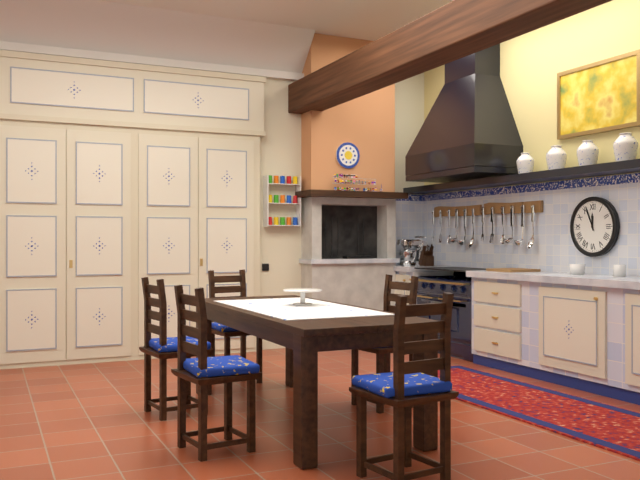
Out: 11h56
